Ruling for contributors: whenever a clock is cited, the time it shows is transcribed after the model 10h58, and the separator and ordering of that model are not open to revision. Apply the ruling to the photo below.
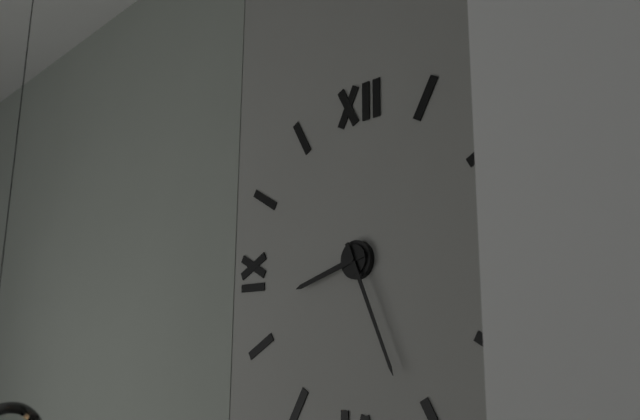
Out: 8h26
